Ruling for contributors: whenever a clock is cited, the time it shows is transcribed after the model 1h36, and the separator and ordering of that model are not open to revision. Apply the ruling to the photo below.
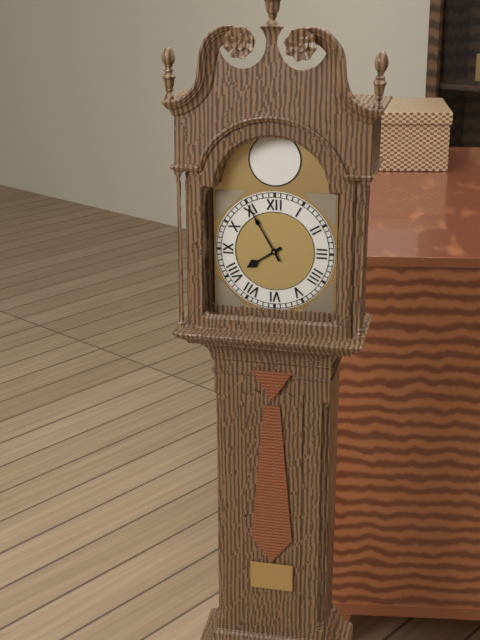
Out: 7h55
